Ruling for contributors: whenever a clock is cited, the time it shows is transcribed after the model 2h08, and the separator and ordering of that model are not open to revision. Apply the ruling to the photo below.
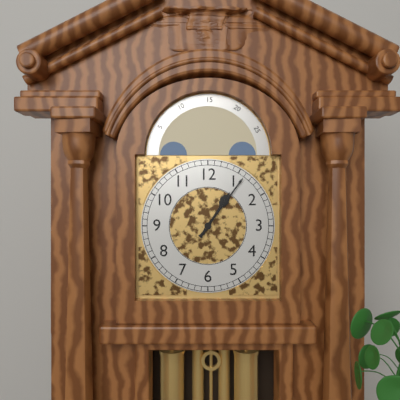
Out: 1h06
